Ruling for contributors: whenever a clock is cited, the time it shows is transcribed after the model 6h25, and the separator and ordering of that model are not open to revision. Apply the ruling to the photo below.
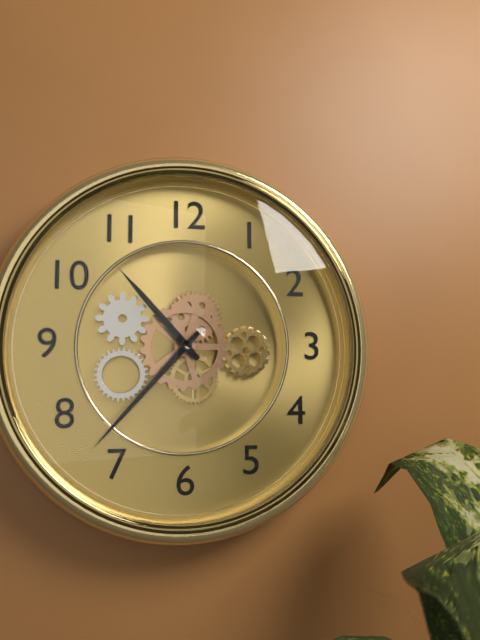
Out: 10h37
